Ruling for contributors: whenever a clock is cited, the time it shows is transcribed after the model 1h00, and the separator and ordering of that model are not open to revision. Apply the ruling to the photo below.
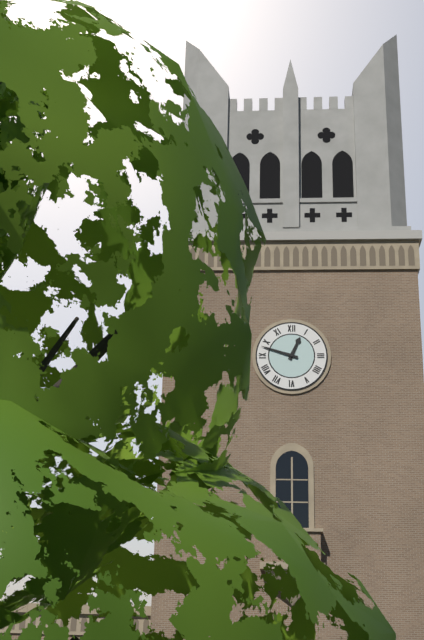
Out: 12h48
